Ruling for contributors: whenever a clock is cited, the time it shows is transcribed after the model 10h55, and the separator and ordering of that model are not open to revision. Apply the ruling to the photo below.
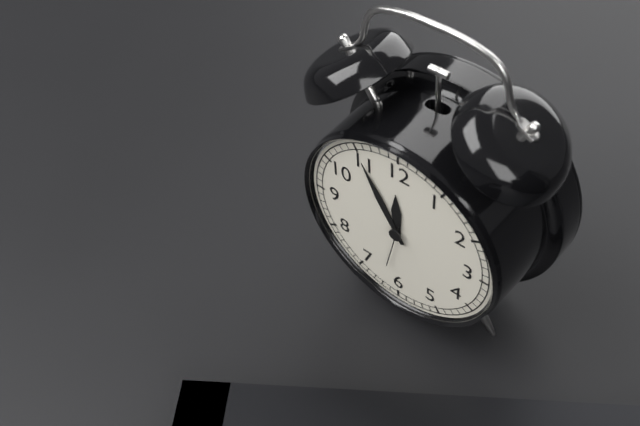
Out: 11h55
